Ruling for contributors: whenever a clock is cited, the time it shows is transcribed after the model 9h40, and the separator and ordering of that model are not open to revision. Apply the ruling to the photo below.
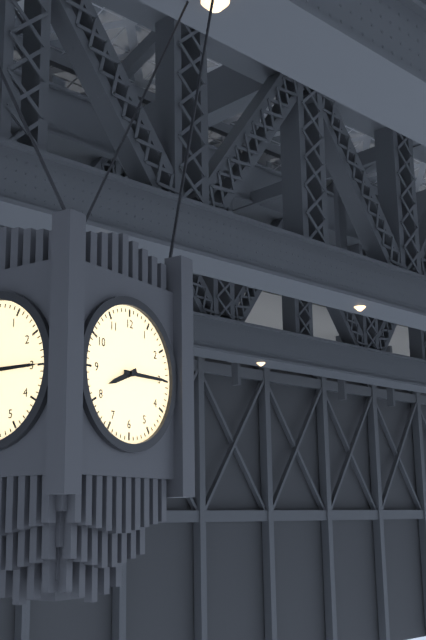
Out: 8h15
